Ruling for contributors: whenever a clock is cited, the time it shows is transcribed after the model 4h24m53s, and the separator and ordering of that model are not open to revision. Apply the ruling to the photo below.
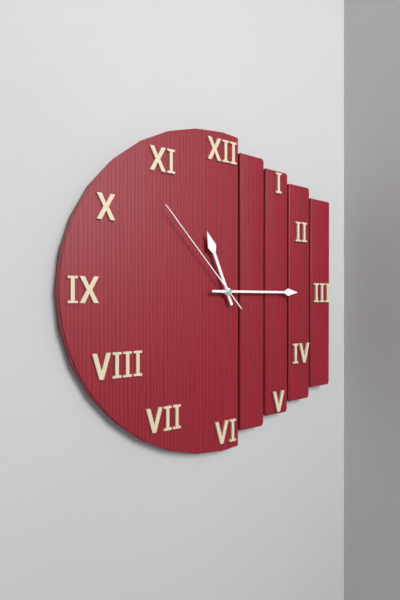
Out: 11h15m53s
